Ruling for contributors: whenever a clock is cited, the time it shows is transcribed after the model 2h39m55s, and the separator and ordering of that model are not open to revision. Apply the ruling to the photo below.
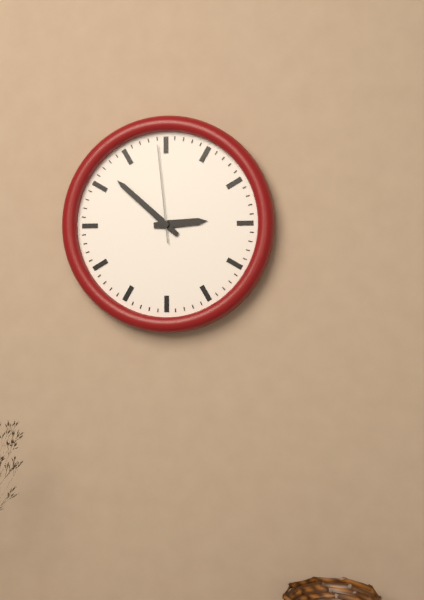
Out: 2h52m59s
